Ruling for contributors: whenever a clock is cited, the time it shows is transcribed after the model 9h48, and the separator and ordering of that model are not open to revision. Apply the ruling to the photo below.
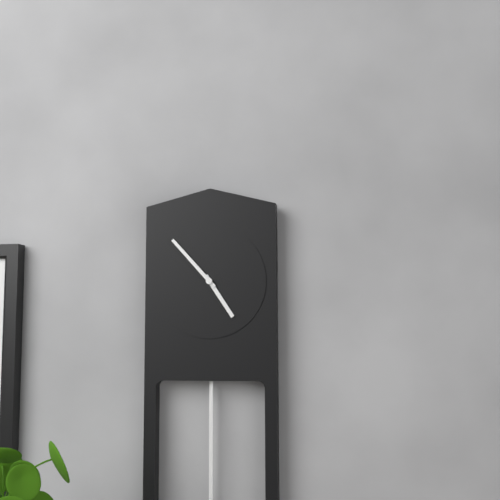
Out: 4h53
